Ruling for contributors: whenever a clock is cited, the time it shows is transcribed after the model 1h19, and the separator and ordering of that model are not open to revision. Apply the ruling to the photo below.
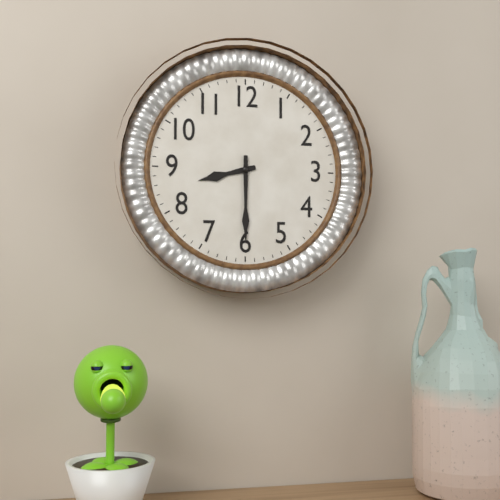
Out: 8h30
